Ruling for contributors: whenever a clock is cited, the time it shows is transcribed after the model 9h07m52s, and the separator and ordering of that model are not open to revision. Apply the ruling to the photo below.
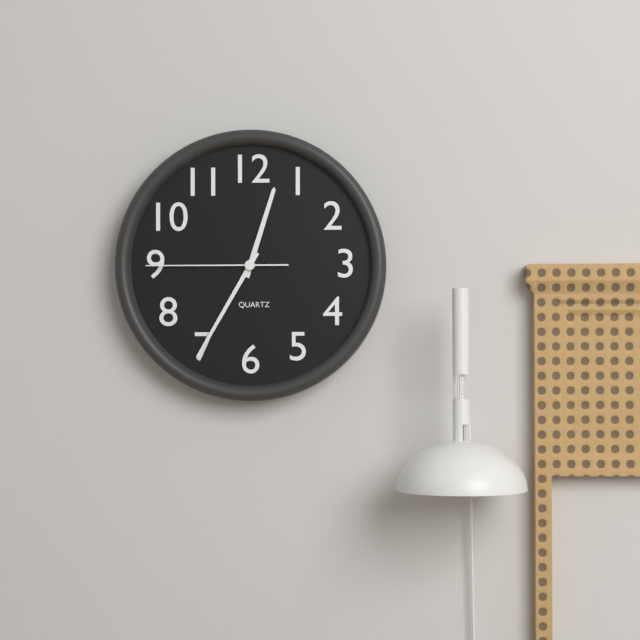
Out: 12h35m45s
